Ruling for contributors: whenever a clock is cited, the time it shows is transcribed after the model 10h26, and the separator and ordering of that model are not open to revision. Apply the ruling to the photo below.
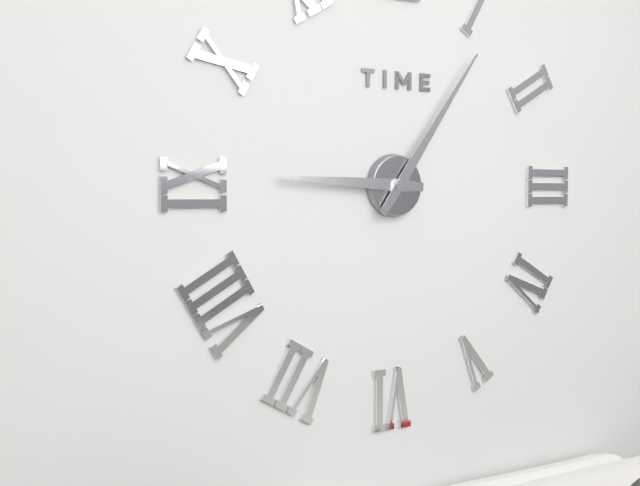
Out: 9h06
